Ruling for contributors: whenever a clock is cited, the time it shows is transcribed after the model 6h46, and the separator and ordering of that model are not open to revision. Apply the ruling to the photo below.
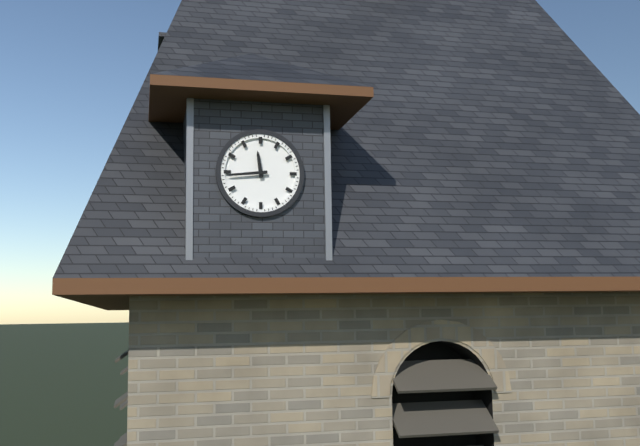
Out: 11h44
